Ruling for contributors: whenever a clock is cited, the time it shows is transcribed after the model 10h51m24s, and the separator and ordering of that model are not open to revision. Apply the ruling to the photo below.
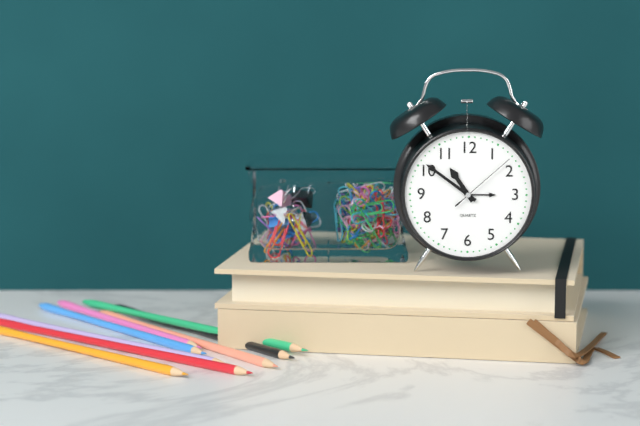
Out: 10h51m08s
